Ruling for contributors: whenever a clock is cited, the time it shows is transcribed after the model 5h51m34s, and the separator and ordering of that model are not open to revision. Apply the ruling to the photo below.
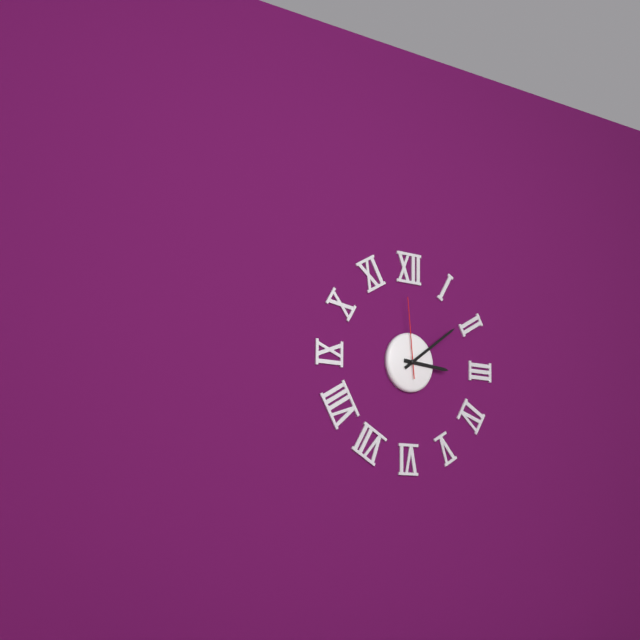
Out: 3h09m59s
